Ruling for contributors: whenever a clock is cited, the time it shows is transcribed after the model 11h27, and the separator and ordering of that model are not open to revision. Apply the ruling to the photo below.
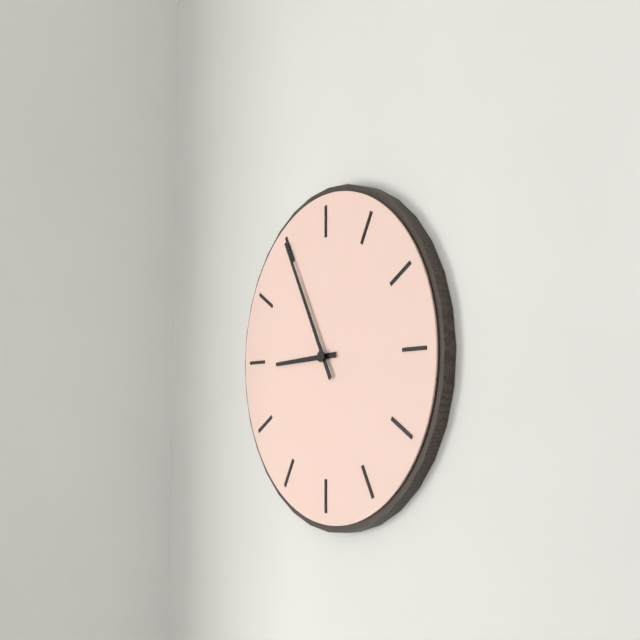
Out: 8h55
